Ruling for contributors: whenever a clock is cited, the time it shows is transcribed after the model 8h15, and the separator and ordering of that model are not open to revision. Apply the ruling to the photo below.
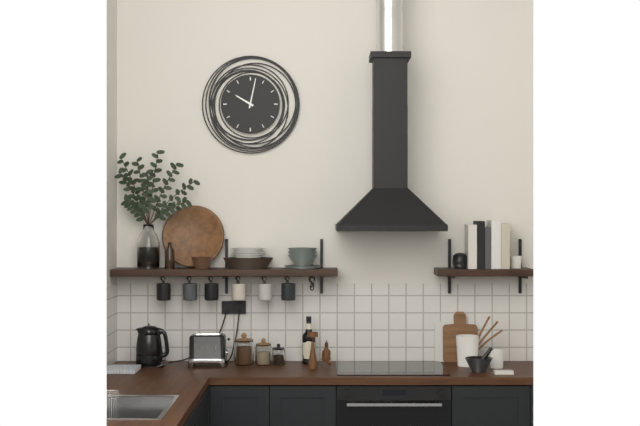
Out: 10h02
